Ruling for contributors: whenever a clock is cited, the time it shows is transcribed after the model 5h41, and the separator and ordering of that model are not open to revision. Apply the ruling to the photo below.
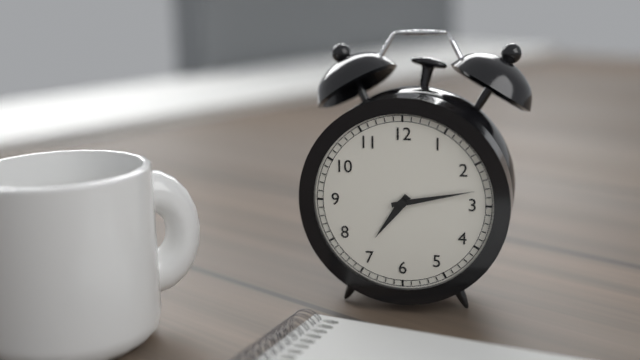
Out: 7h13
